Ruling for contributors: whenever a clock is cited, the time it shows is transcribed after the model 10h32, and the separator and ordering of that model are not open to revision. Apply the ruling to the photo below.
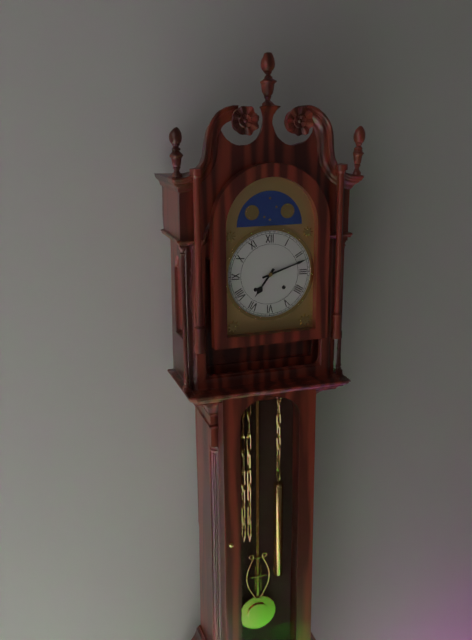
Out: 7h12
